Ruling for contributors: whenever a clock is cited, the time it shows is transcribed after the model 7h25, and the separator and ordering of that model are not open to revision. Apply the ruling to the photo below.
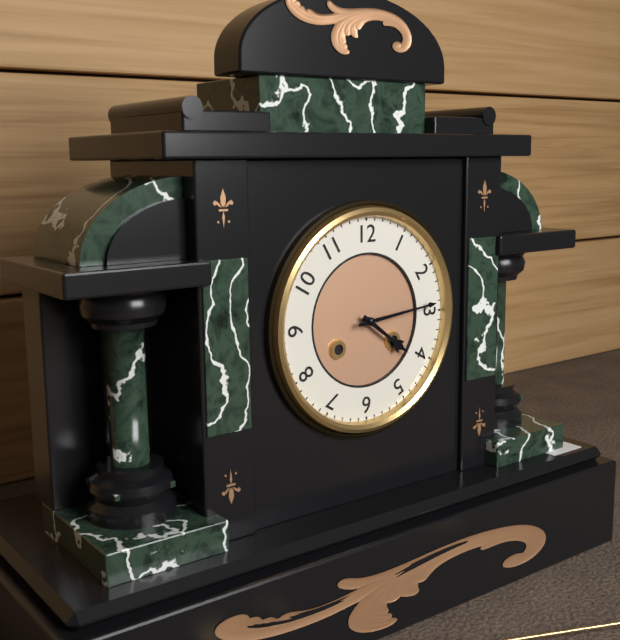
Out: 4h14
